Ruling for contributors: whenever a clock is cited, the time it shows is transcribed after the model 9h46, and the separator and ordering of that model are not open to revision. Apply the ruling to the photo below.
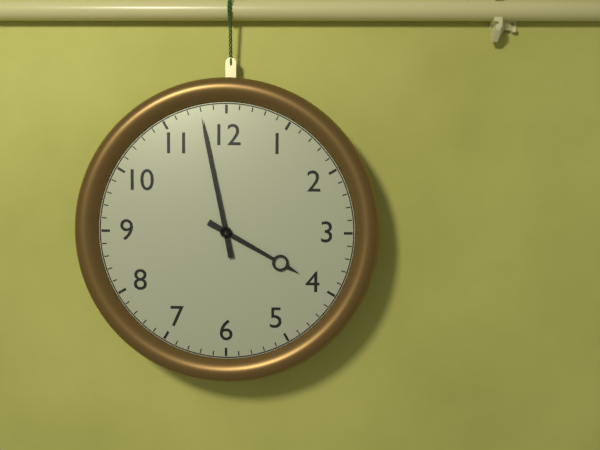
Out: 3h58
